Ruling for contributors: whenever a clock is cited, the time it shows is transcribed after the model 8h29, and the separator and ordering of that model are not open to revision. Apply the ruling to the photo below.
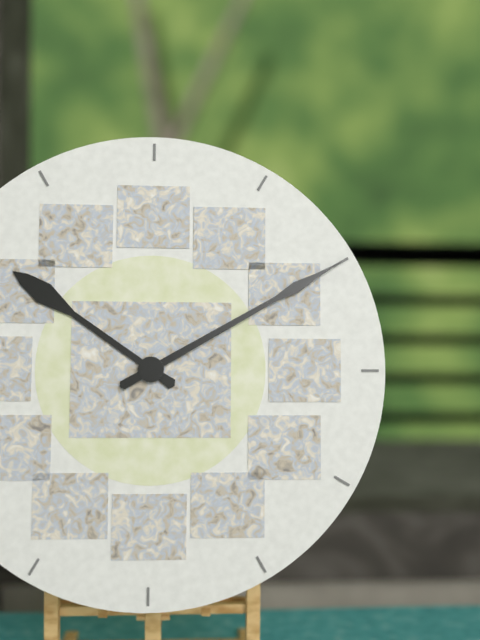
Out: 10h10
